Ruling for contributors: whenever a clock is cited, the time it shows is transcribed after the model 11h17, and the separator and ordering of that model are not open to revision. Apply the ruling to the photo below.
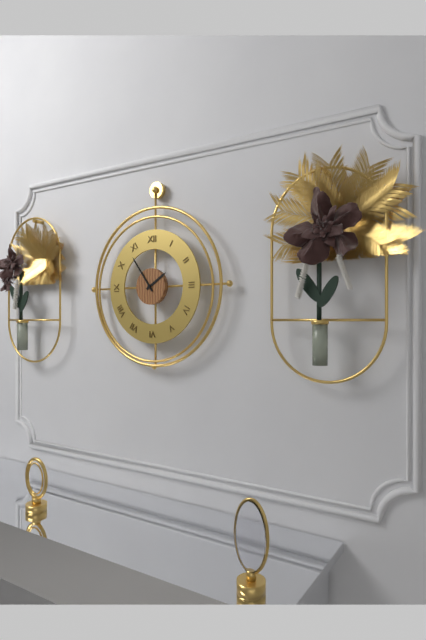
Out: 1h54
